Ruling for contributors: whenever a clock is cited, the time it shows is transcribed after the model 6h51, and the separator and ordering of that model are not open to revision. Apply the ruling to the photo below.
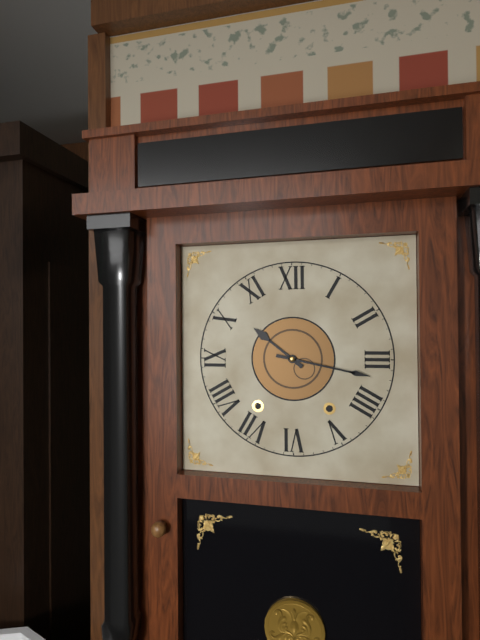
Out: 10h17
